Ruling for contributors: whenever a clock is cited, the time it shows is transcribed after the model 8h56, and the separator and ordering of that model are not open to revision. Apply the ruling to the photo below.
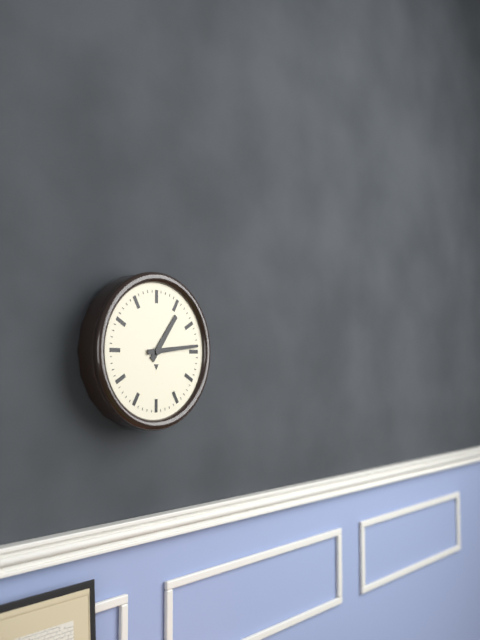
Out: 1h14
